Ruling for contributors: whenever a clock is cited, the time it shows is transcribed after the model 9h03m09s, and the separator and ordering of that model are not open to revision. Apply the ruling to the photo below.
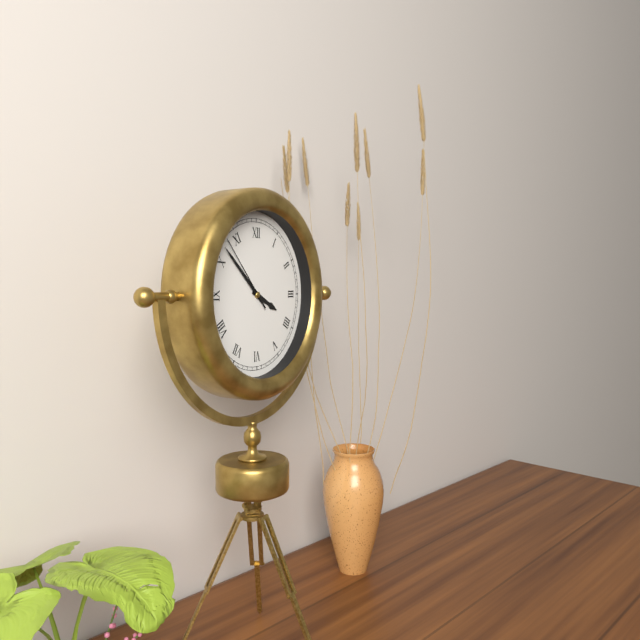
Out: 3h52m53s
